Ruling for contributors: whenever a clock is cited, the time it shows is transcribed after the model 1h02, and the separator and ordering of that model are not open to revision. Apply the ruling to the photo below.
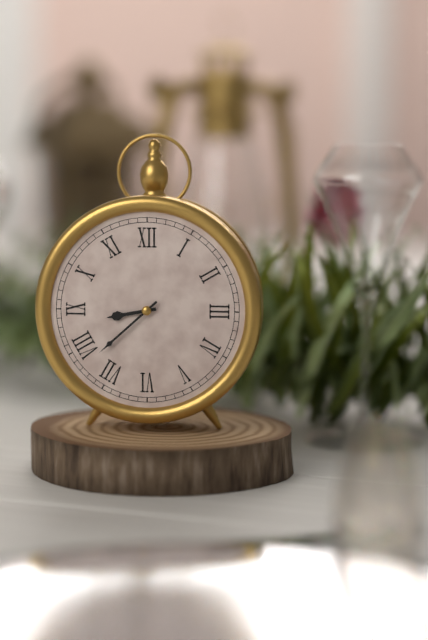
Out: 8h38
